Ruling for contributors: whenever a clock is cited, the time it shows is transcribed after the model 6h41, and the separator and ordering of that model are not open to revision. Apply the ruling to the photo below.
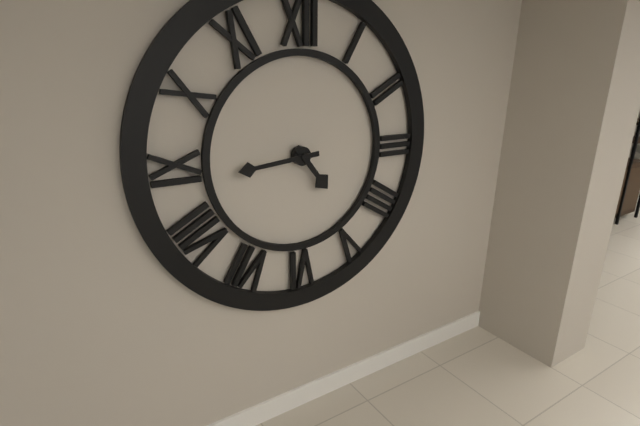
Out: 4h44
